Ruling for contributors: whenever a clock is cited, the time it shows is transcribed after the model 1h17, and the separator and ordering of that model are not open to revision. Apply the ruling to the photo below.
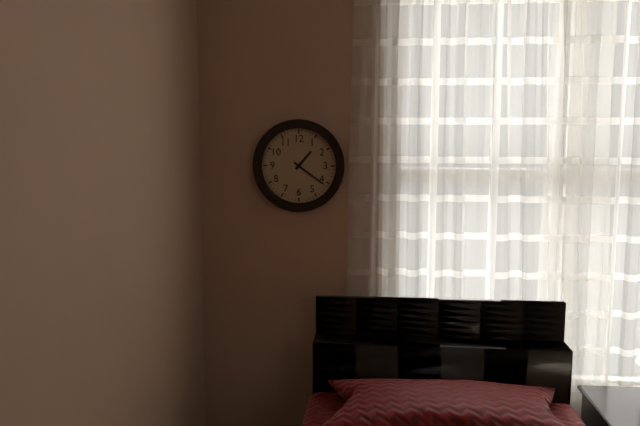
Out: 1h21
